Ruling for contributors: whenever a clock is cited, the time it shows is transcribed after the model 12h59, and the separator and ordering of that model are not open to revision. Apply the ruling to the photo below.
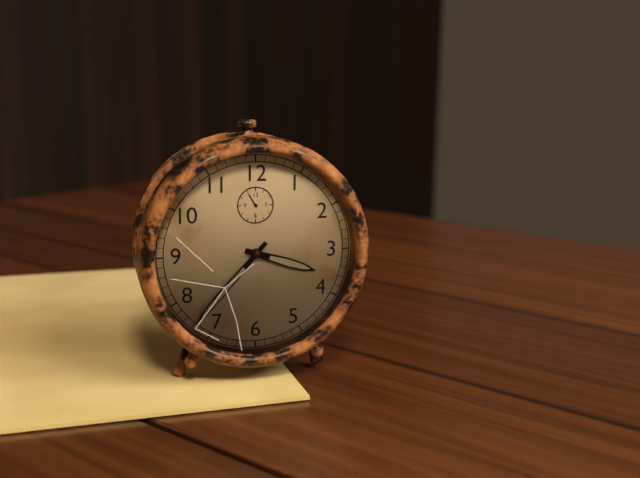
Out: 3h37
